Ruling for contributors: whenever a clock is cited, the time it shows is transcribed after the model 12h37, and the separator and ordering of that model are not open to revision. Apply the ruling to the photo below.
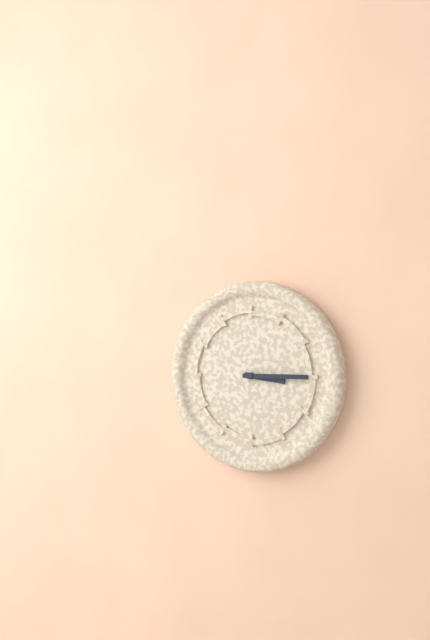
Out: 3h15
